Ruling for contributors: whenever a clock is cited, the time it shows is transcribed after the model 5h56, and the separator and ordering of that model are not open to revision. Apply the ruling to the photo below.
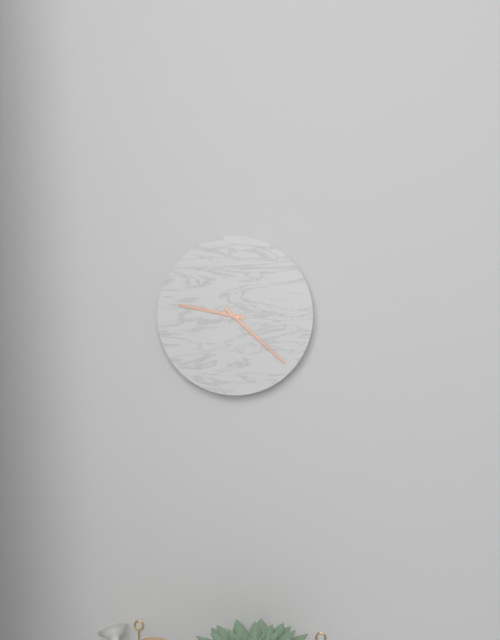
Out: 9h22
